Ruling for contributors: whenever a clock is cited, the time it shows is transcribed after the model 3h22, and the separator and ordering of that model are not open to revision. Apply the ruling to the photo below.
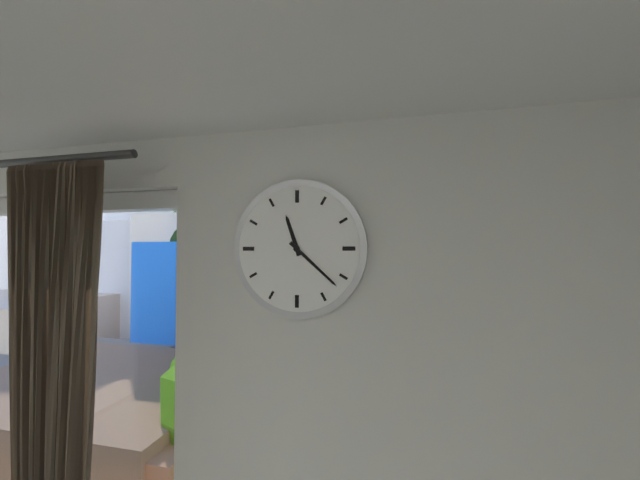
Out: 11h22
